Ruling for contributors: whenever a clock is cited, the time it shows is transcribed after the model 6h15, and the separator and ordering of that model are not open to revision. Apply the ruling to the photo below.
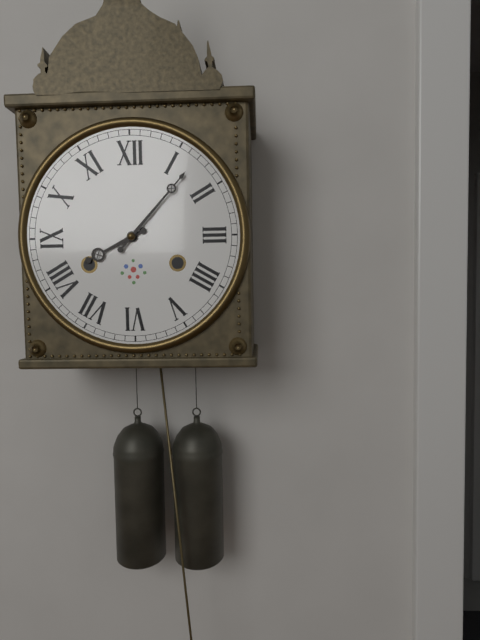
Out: 8h07
